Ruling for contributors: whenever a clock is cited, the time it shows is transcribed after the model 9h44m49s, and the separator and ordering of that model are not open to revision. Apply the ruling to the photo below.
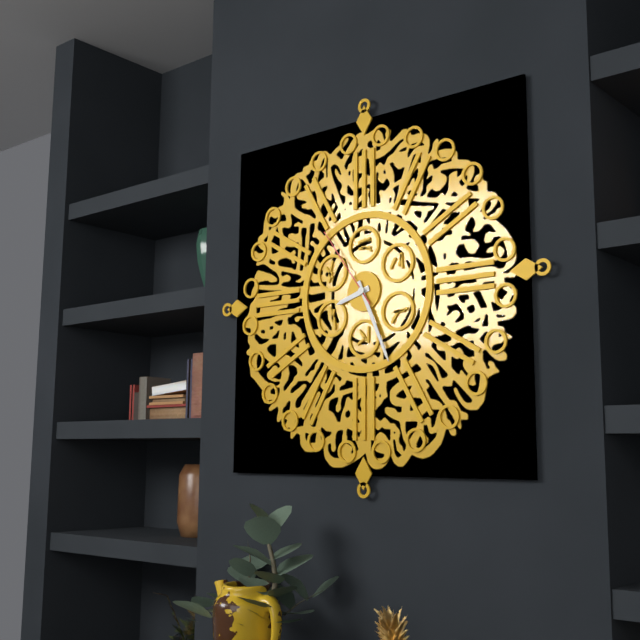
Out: 8h26m54s
